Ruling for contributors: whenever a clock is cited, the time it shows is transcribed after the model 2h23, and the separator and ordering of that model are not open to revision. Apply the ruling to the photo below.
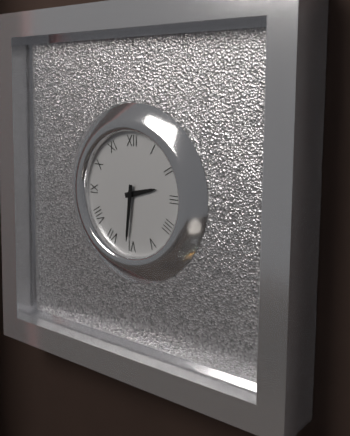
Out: 2h31
